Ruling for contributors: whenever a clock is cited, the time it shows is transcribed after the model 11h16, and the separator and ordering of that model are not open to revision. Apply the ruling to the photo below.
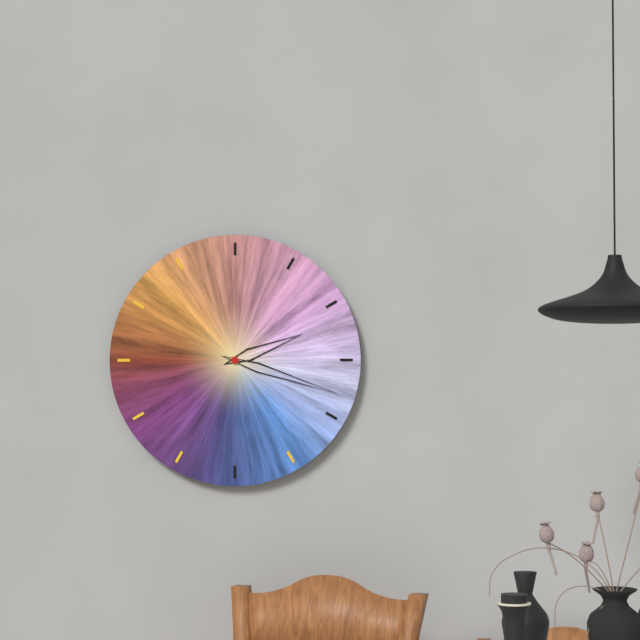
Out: 2h18
